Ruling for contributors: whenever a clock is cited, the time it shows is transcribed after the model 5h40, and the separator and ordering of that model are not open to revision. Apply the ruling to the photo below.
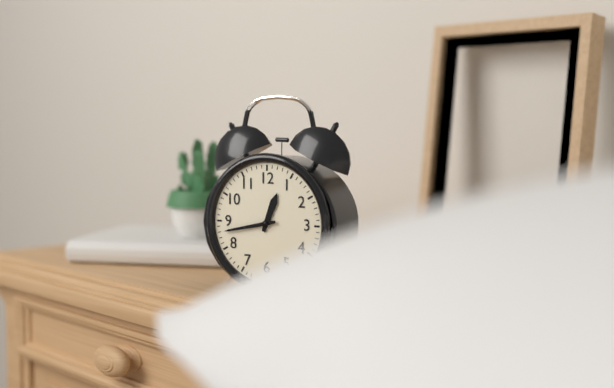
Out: 12h43
